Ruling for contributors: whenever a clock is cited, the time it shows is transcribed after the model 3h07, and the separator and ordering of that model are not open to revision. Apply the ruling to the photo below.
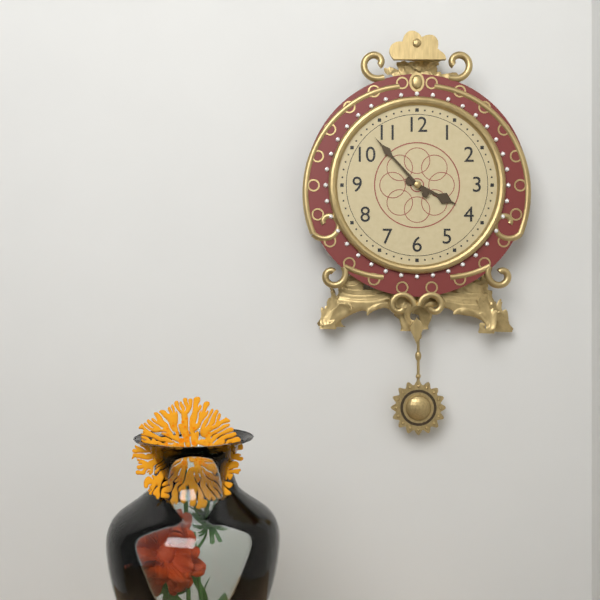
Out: 3h53
